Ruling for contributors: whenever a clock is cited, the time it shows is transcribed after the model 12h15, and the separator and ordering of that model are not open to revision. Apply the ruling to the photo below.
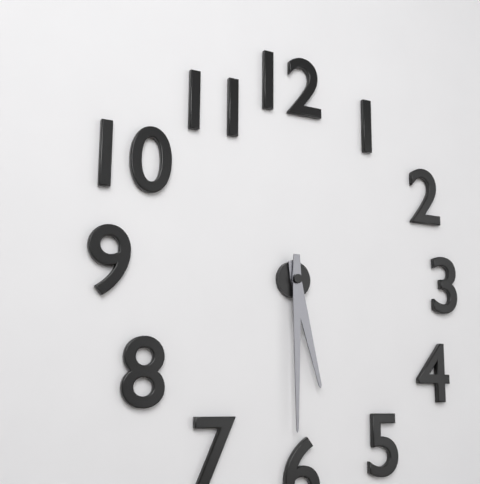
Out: 5h30
